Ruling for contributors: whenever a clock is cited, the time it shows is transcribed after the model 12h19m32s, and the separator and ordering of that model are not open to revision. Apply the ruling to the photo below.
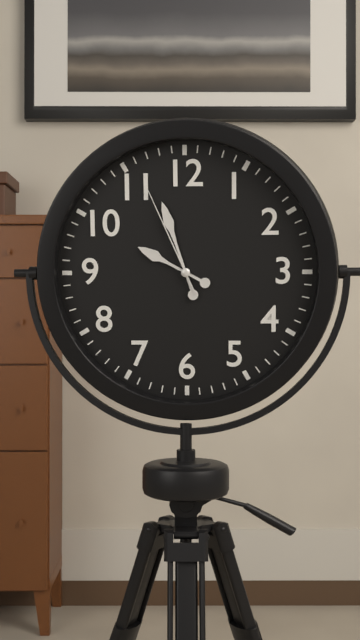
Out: 9h57m56s
